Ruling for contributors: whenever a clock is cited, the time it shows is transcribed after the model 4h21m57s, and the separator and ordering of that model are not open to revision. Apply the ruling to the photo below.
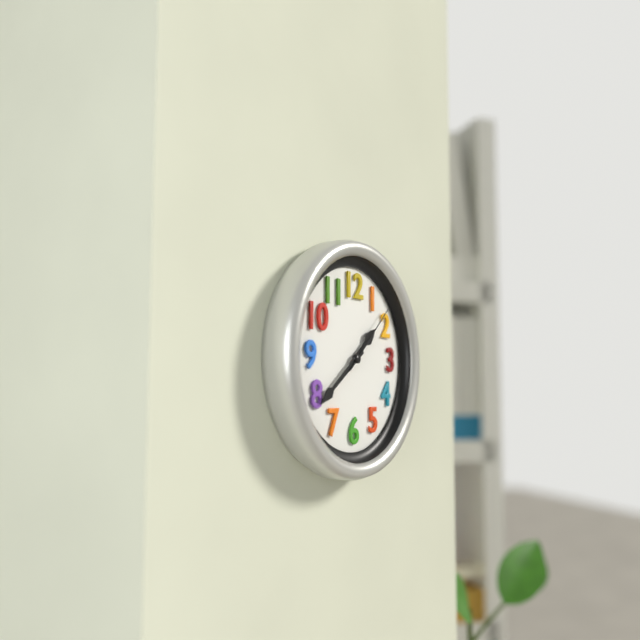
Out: 1h39m08s
